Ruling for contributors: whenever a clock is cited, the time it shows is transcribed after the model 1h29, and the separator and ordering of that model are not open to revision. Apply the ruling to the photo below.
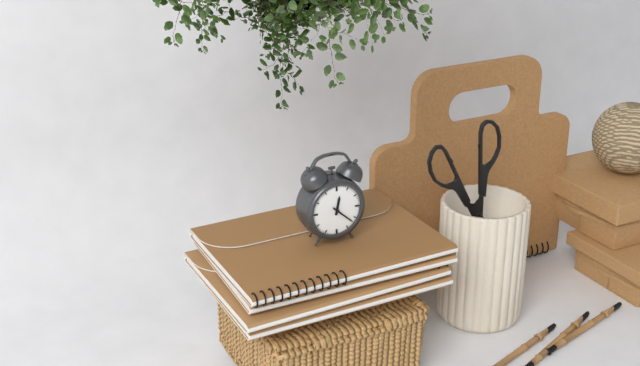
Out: 12h22
